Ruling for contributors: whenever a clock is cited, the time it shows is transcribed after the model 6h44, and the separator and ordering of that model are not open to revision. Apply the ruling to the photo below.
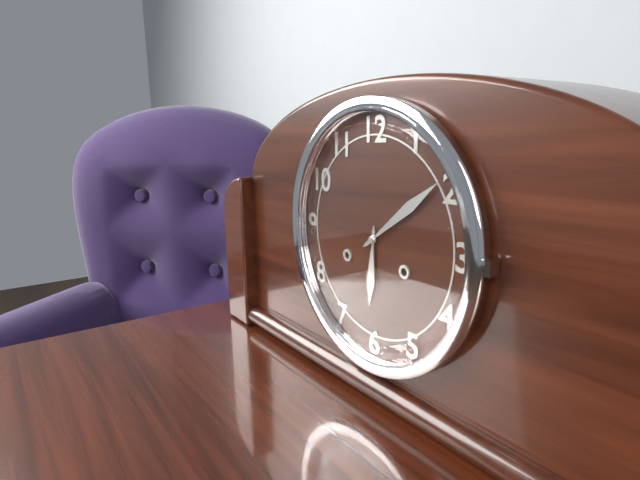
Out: 6h09
